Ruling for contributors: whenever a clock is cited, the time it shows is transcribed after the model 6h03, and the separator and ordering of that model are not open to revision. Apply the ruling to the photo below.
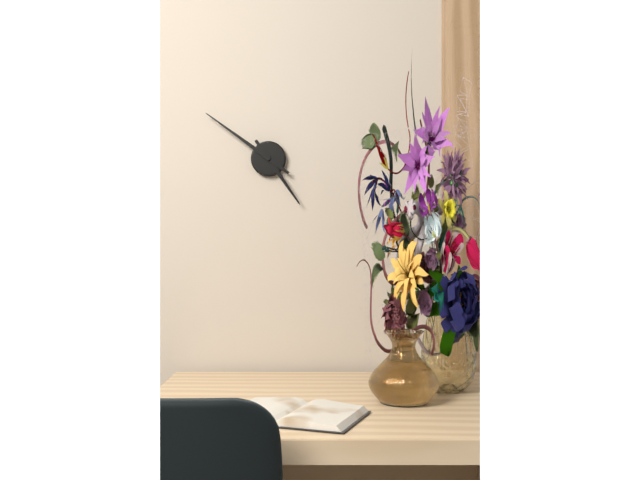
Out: 4h51
